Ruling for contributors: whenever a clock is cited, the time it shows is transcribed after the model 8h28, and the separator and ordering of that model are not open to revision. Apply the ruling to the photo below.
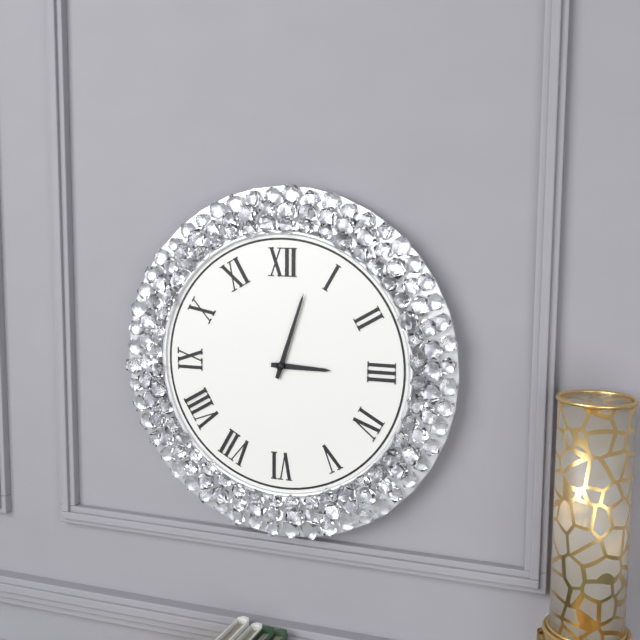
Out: 3h03
